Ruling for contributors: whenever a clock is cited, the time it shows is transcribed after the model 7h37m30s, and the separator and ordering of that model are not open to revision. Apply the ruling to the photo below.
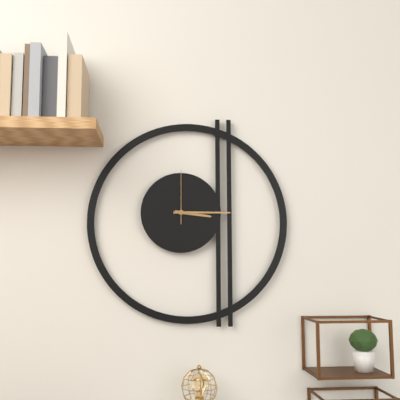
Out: 3h15m00s
